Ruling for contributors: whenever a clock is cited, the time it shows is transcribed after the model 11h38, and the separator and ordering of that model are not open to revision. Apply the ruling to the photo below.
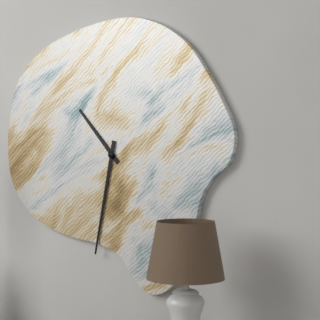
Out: 10h32
